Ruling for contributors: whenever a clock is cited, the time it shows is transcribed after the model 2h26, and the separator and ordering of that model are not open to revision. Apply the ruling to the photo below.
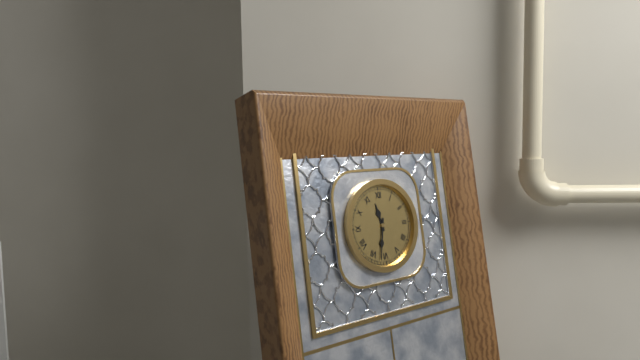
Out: 11h32
